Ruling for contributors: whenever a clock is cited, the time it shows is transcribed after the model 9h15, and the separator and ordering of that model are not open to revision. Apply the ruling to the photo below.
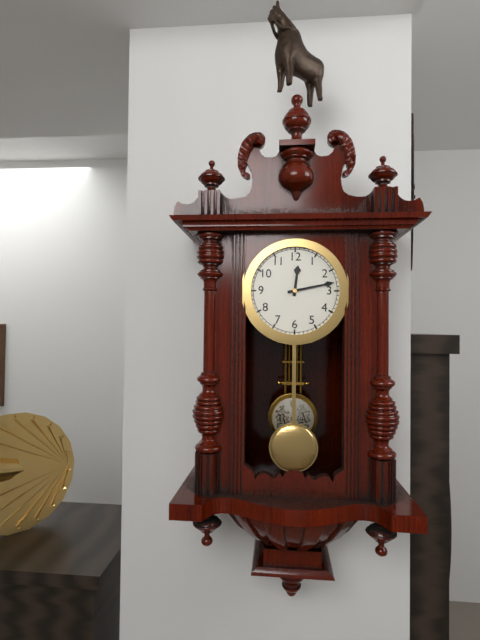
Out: 12h13
